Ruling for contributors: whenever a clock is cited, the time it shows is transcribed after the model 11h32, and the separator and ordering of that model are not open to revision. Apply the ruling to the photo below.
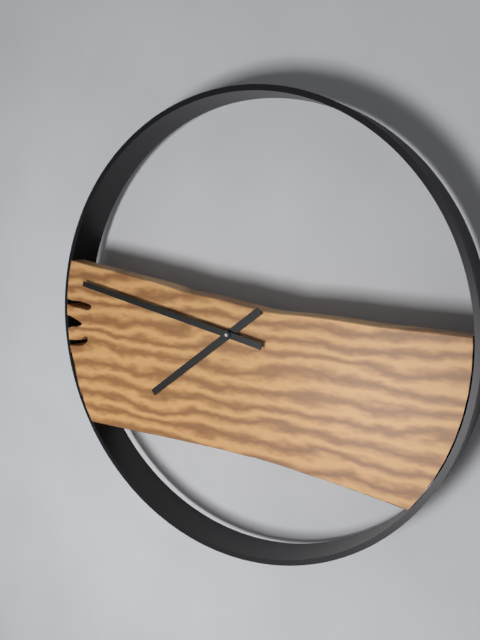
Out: 7h47
